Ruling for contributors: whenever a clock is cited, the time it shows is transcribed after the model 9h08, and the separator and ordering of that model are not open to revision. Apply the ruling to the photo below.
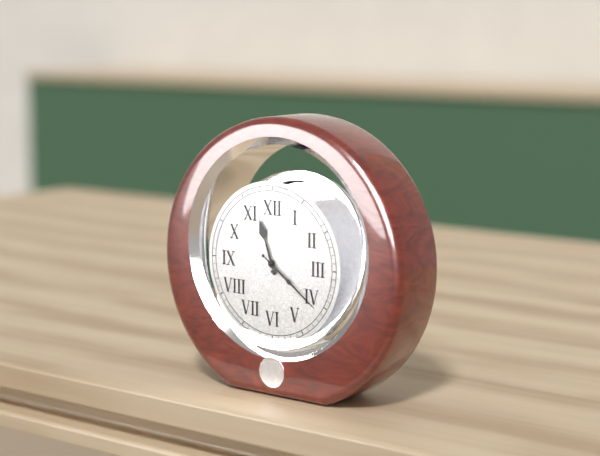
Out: 11h21
